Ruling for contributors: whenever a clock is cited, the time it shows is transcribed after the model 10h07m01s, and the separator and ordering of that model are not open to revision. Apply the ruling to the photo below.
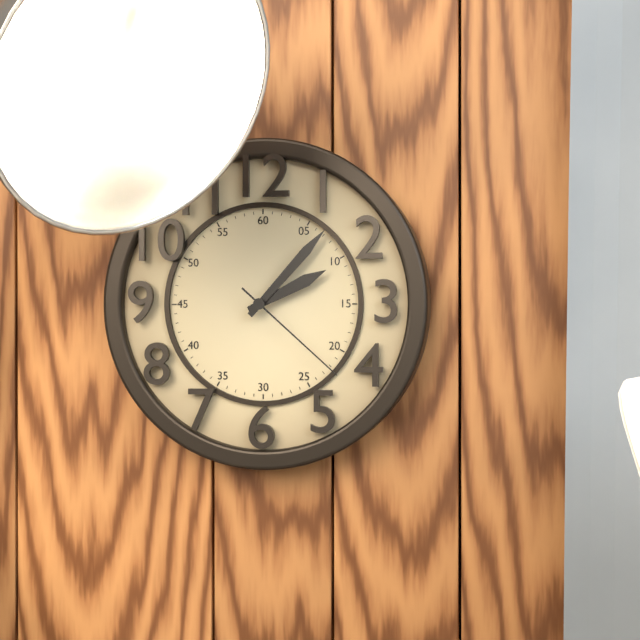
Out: 2h07m22s
